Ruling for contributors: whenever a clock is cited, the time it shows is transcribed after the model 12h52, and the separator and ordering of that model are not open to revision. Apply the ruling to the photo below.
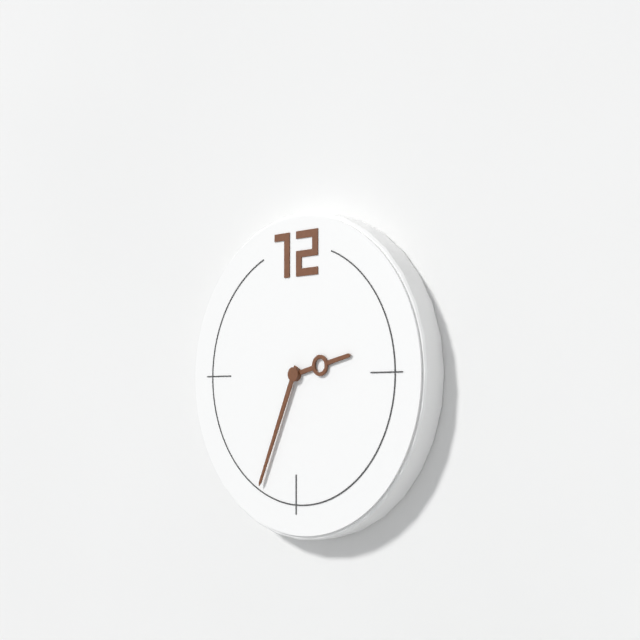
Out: 2h34
